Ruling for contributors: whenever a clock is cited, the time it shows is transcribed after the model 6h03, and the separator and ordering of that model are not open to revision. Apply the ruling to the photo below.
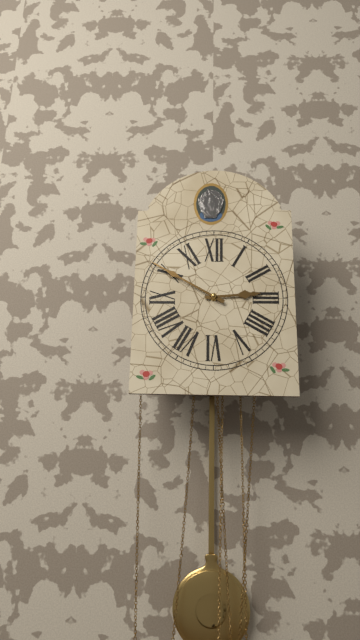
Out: 2h50
